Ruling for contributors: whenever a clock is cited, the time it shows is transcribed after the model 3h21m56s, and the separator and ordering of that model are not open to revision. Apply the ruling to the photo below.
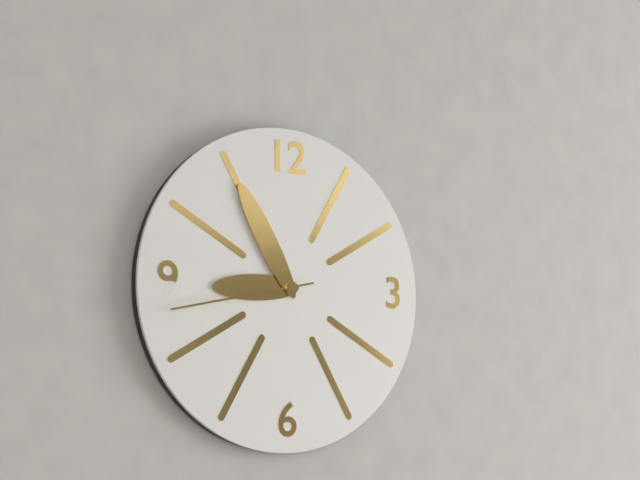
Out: 8h55m43s
